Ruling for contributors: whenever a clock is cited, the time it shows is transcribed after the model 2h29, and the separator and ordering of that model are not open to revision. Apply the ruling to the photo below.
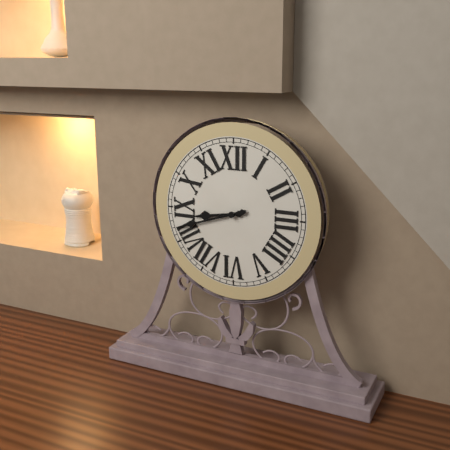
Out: 8h42
